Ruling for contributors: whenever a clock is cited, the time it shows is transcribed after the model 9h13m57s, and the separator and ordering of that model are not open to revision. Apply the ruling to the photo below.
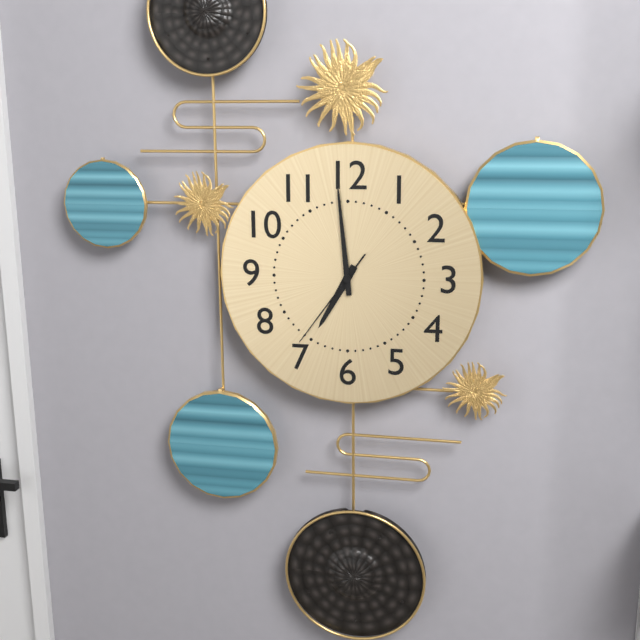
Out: 6h59m36s
